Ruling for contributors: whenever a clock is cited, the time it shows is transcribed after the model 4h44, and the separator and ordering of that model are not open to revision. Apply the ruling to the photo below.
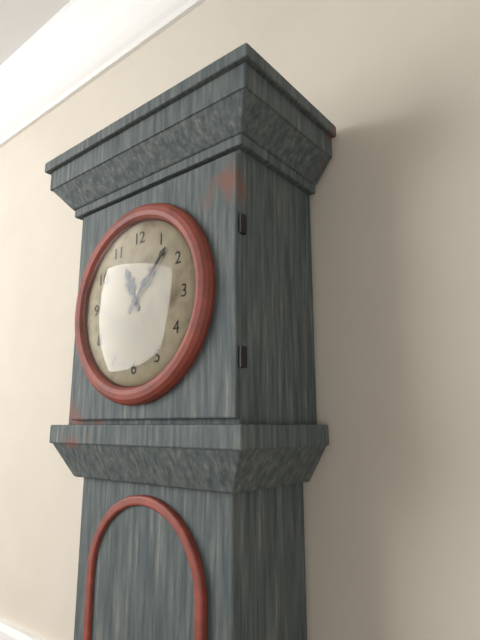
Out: 11h07
